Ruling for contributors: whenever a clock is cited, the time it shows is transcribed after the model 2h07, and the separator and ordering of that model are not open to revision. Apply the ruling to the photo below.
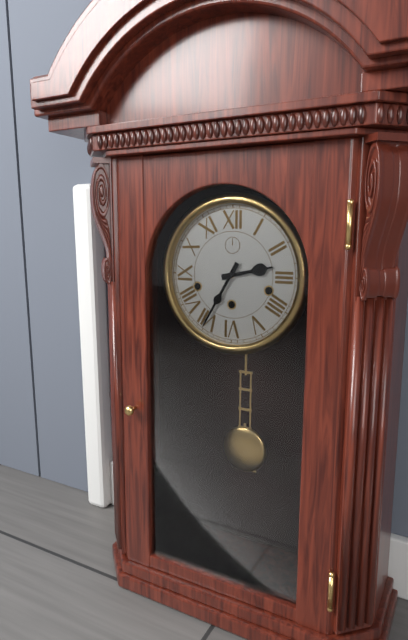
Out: 2h35
